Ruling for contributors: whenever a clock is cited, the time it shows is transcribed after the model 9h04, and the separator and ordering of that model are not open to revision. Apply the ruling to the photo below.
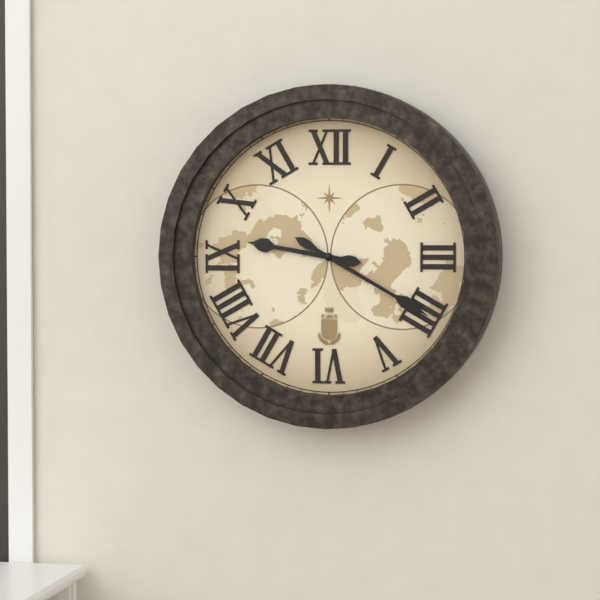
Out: 9h20
